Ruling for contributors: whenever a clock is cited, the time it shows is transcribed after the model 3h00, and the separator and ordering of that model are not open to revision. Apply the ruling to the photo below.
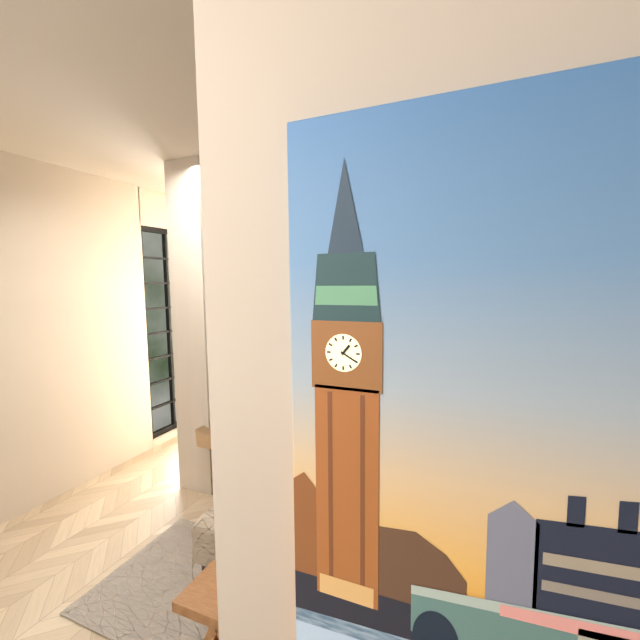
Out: 1h20
